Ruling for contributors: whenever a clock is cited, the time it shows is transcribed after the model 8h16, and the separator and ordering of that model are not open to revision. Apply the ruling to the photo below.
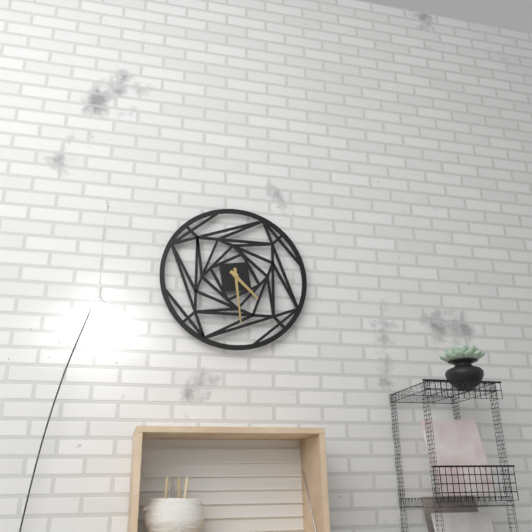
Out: 4h29
